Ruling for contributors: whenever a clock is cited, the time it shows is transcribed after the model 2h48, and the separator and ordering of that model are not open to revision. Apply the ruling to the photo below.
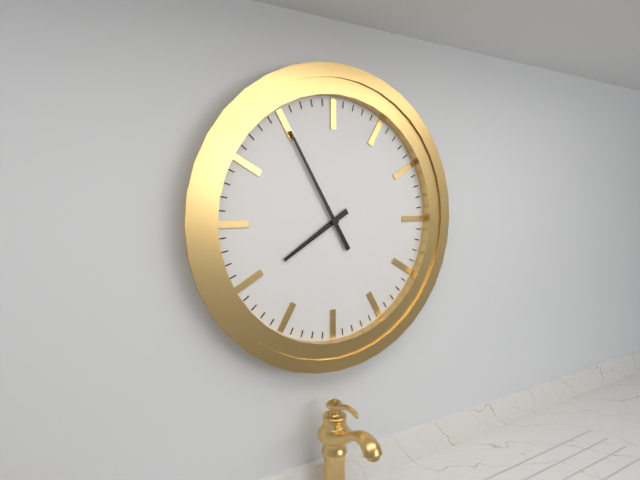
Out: 7h55
